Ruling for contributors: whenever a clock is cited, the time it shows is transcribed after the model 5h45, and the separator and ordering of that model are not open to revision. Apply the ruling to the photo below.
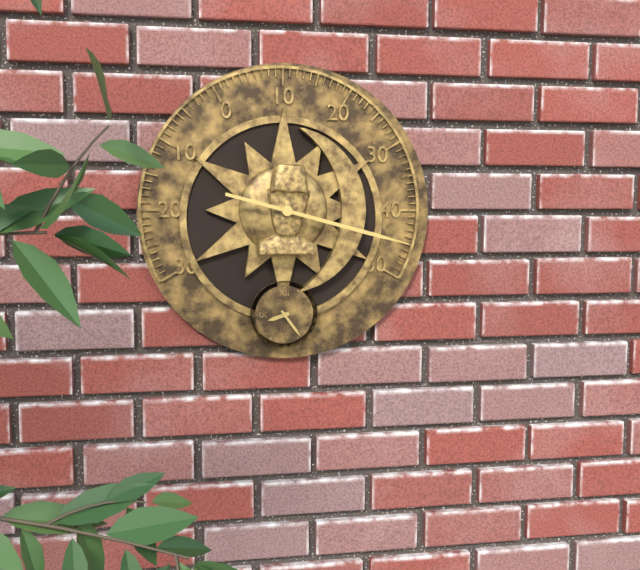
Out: 8h24
